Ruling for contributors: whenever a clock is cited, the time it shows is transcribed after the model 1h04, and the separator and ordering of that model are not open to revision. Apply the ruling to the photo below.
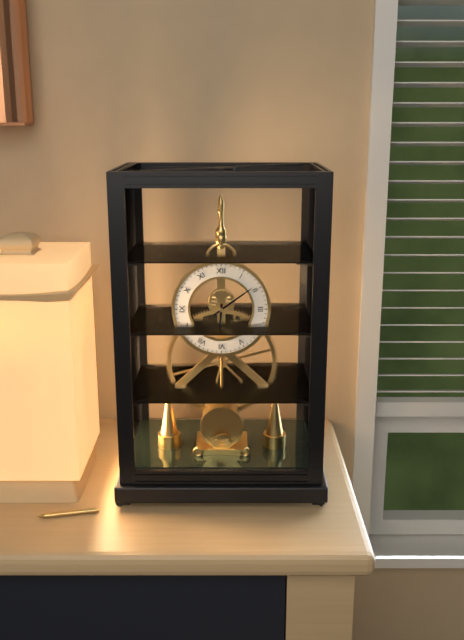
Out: 6h09
